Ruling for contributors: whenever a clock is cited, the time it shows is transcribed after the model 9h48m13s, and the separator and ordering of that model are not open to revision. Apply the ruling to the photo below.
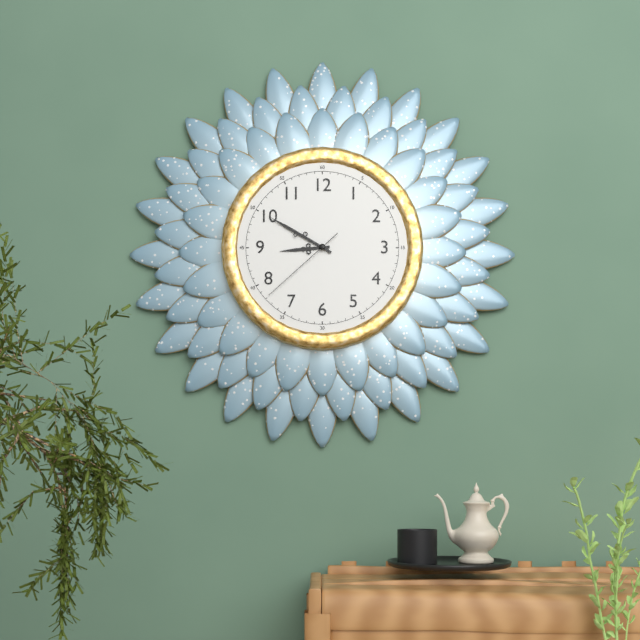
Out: 8h50m38s
